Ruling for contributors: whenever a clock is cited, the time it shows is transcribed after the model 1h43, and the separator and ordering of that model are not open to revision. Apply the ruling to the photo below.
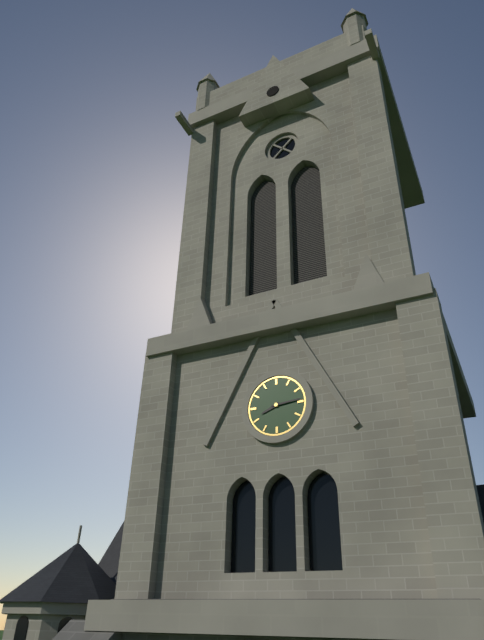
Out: 8h14
